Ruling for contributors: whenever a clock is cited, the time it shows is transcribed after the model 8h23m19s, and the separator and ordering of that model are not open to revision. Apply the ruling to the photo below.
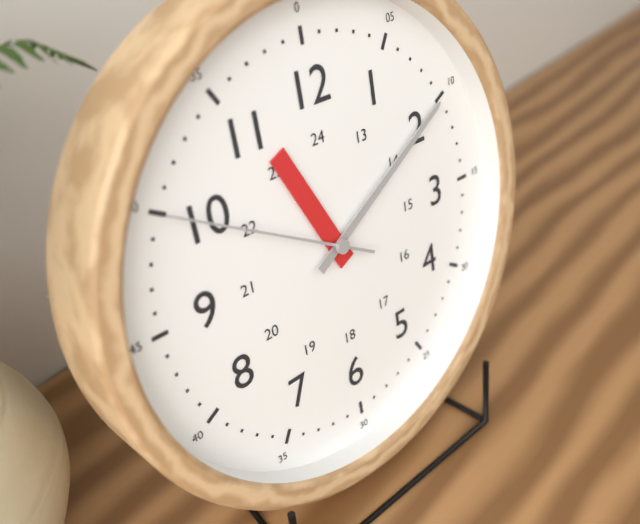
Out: 11h10m50s
